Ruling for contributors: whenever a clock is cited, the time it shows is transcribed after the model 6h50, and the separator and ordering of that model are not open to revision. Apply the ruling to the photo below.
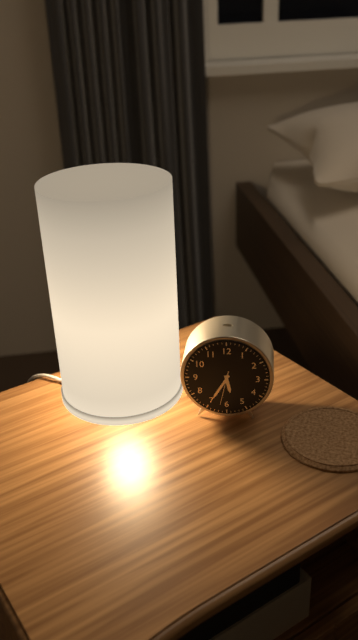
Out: 5h35
